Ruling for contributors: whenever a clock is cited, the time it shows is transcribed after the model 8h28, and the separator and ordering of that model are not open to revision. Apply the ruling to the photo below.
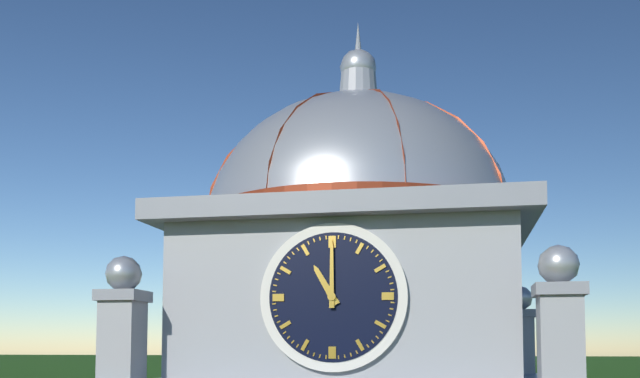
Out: 11h00
